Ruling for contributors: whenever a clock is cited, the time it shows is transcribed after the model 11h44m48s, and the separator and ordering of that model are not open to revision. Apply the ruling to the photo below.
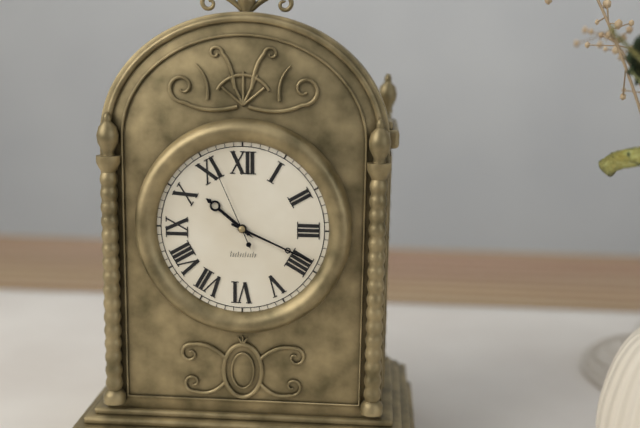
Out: 10h19m56s
